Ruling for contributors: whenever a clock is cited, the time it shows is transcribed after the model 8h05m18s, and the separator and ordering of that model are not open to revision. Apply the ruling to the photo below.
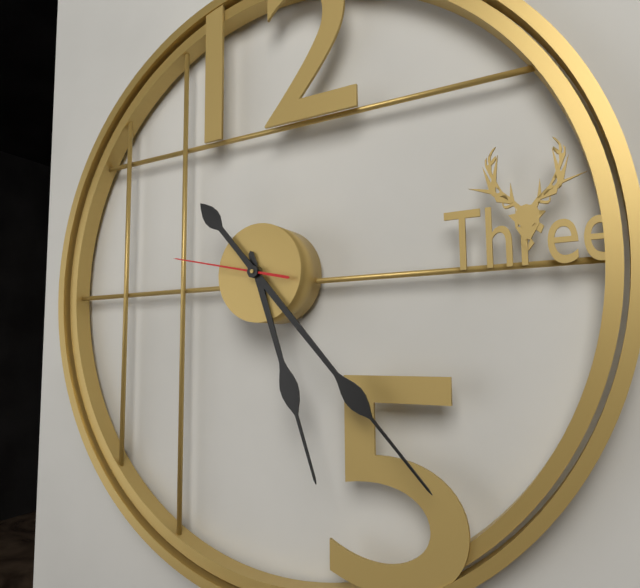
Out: 5h23m47s
